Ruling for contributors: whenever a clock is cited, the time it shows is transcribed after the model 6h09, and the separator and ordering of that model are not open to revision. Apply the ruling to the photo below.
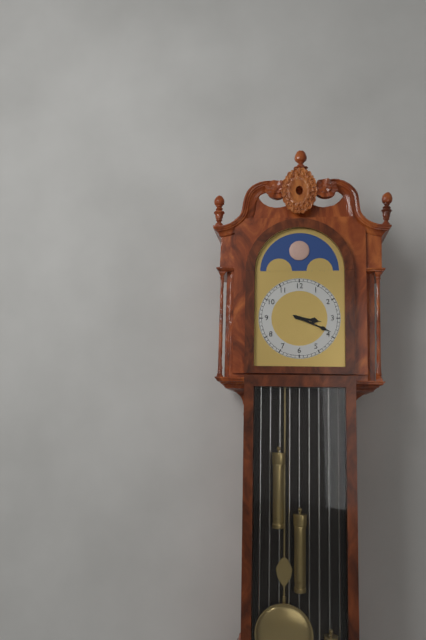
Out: 3h19
